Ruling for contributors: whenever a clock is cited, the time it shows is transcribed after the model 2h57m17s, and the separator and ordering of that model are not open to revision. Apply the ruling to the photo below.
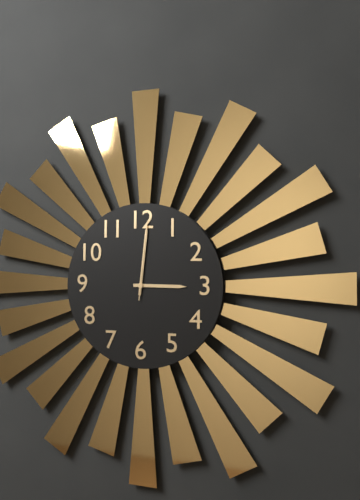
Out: 3h01m01s
